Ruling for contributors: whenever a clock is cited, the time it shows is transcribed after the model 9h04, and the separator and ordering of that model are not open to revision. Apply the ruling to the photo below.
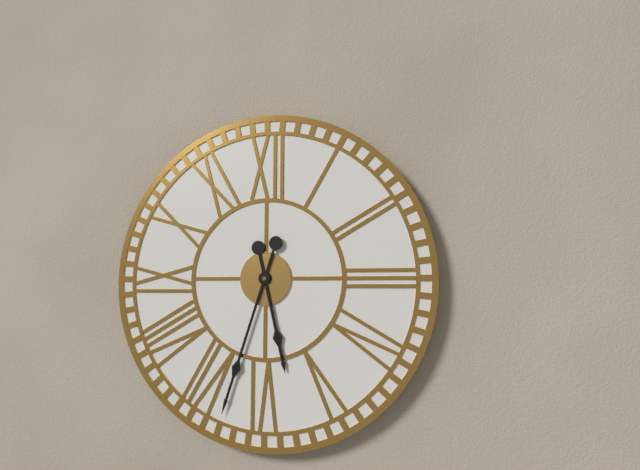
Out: 5h33
